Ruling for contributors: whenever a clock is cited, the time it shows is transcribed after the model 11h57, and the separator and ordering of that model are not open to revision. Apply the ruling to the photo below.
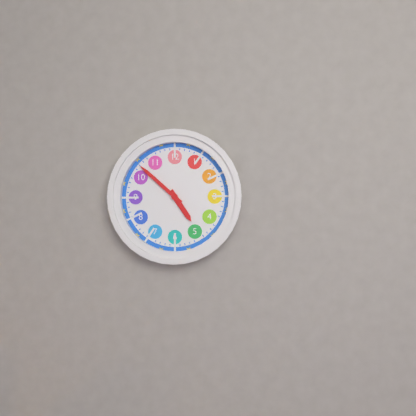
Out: 4h52
